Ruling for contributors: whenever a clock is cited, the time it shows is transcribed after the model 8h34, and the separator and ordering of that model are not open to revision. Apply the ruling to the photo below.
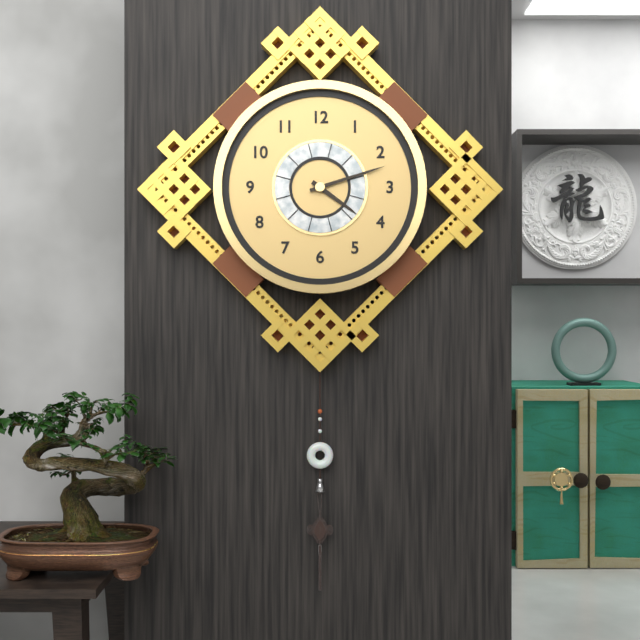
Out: 4h12
